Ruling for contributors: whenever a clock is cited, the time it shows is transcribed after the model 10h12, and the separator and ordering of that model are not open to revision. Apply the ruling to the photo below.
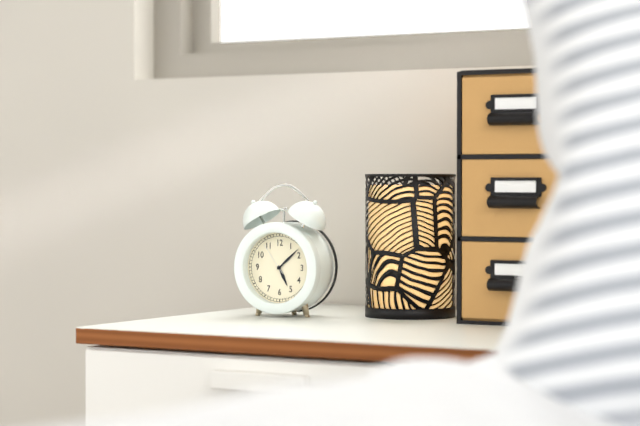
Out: 5h08
